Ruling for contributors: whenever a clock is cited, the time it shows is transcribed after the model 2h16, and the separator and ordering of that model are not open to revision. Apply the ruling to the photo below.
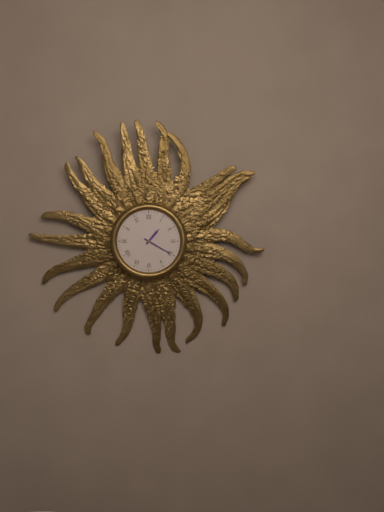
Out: 1h20
